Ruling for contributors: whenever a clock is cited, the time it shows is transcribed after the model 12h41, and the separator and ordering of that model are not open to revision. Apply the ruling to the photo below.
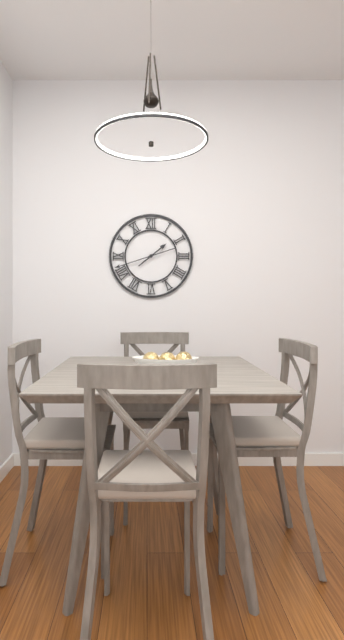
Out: 1h42
